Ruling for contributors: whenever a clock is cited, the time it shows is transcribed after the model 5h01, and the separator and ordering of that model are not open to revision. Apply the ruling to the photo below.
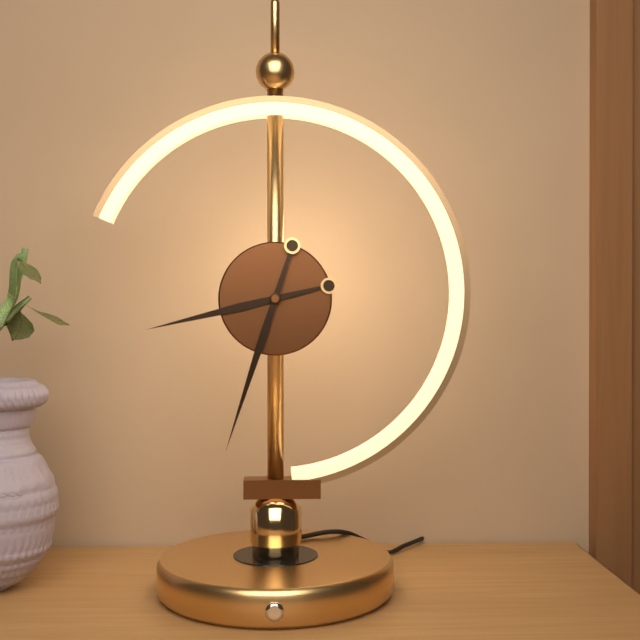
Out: 8h33
